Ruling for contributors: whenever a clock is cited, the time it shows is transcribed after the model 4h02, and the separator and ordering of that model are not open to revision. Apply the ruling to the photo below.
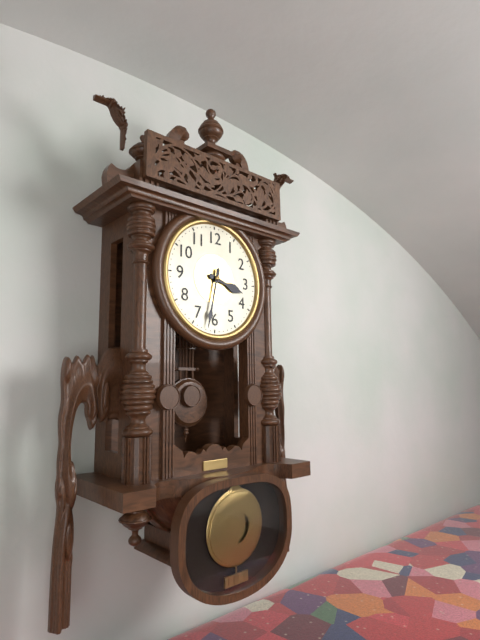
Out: 3h32
